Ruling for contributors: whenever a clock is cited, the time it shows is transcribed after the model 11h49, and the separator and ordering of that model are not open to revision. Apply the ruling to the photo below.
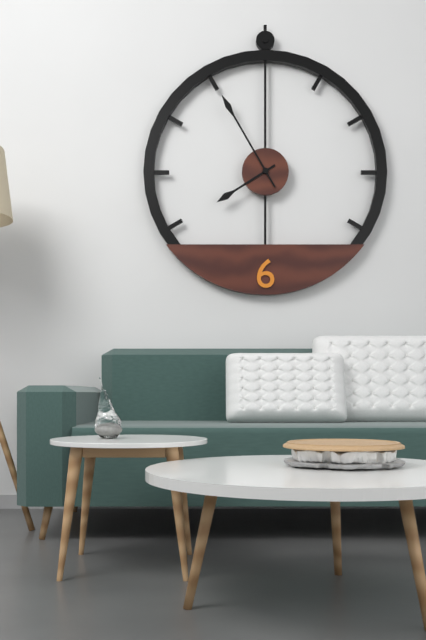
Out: 7h55
